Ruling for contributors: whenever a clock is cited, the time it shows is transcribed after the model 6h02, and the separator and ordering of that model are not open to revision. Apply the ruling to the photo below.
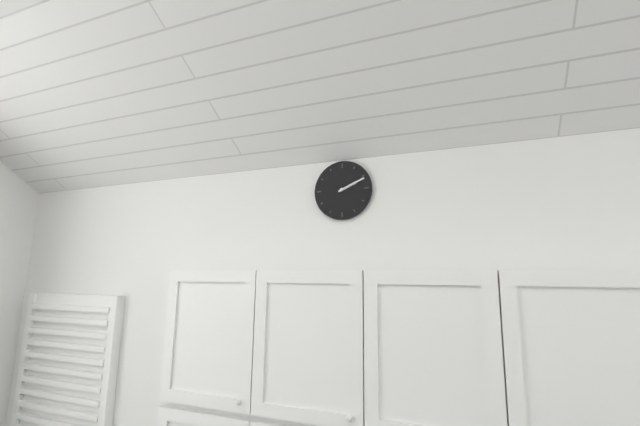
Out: 2h11
